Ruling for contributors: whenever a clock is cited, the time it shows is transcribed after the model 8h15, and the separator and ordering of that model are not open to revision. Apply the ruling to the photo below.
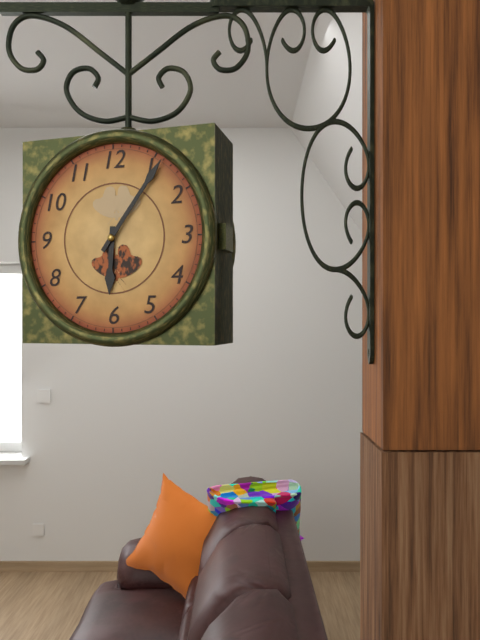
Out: 6h06
